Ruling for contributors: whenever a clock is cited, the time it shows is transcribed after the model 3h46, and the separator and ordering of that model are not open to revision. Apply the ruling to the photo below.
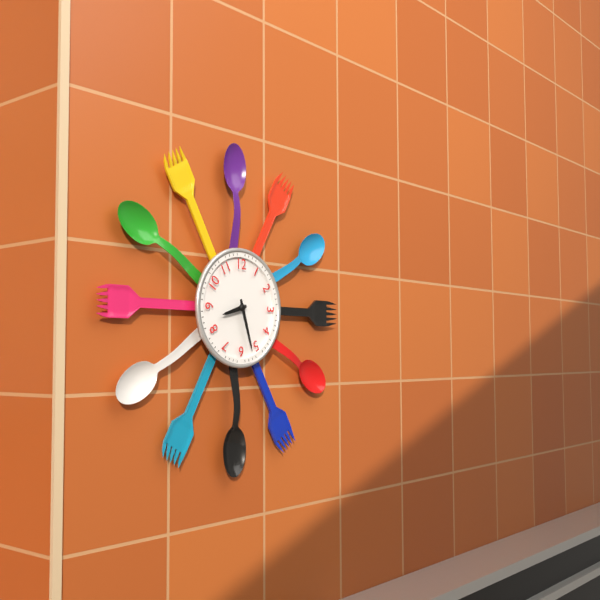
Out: 8h27
